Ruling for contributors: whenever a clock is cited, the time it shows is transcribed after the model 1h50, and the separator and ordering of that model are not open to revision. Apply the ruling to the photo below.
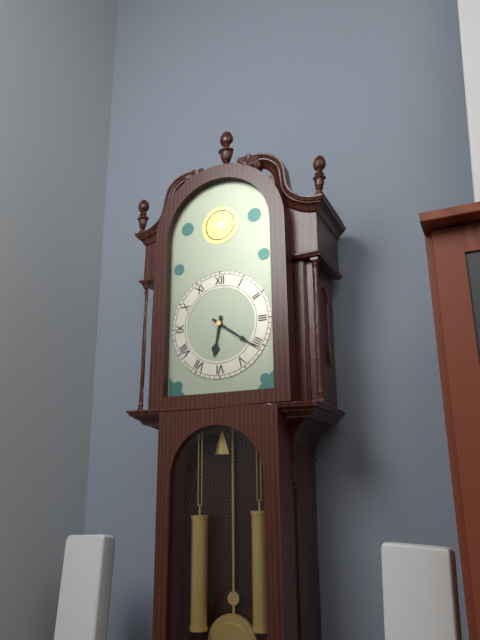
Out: 6h21
